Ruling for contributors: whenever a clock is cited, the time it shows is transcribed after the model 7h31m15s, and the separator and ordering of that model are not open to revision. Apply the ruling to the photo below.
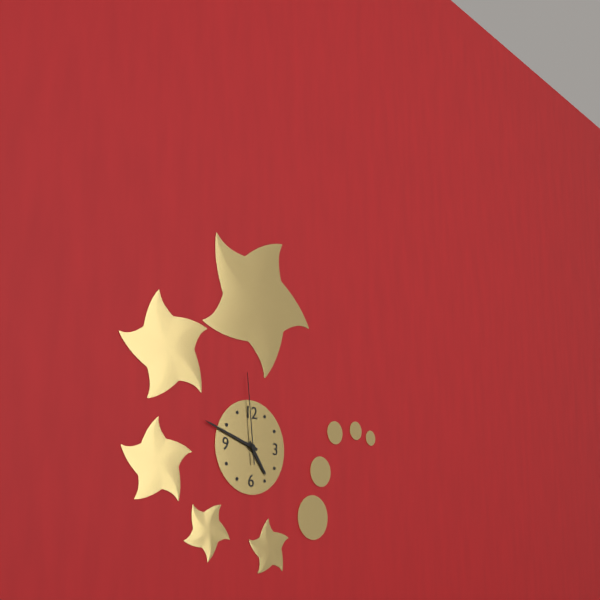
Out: 4h48m59s
